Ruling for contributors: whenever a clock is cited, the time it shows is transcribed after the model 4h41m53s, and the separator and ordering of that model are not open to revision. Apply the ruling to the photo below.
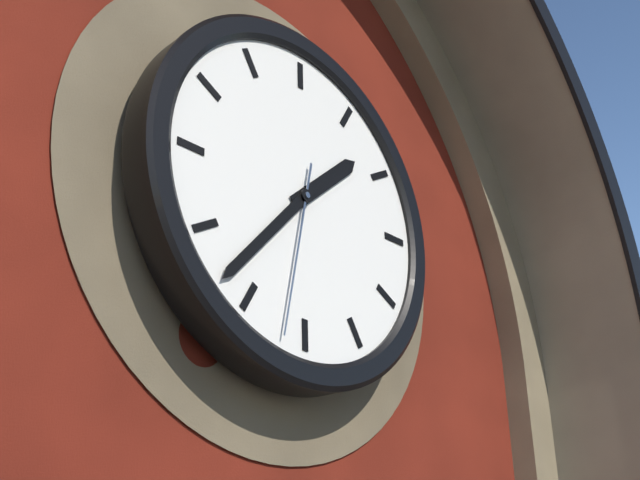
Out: 1h37m32s
